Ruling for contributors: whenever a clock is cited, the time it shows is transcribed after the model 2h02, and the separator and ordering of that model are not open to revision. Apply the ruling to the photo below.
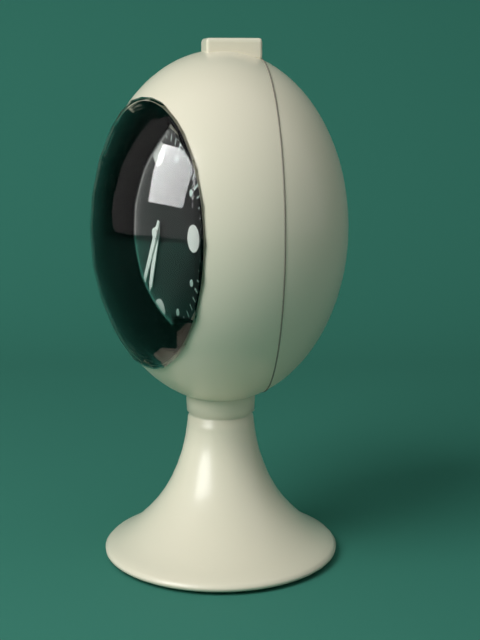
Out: 6h35
